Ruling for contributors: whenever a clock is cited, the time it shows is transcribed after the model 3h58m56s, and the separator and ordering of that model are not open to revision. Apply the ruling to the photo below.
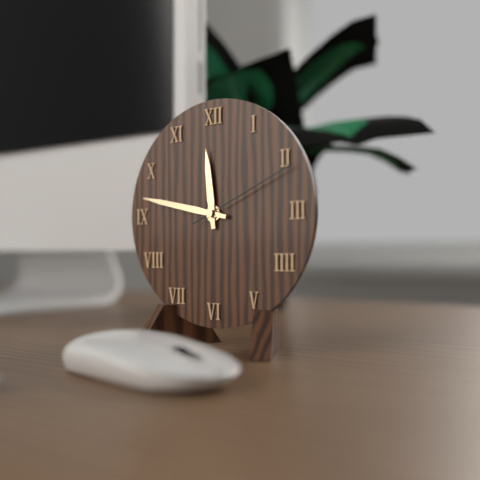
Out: 11h47m11s
